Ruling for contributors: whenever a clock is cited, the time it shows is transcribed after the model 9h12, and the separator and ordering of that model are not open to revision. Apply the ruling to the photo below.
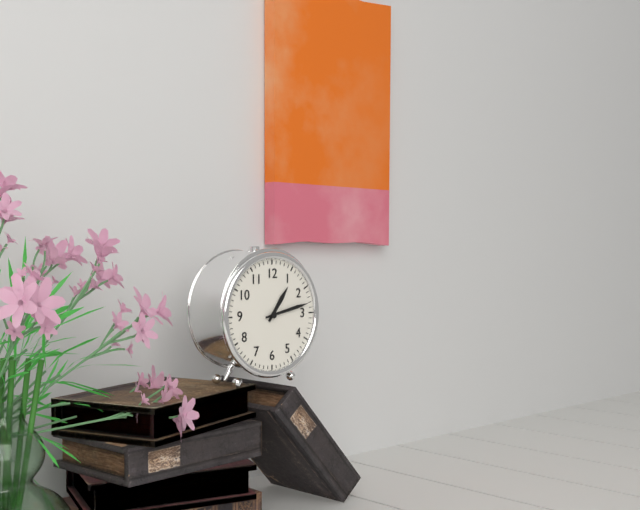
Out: 1h13
